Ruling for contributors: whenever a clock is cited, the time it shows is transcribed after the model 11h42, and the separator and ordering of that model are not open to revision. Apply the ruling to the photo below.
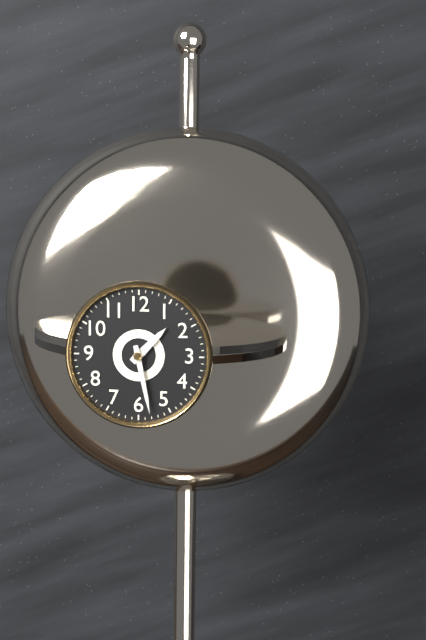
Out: 1h28
